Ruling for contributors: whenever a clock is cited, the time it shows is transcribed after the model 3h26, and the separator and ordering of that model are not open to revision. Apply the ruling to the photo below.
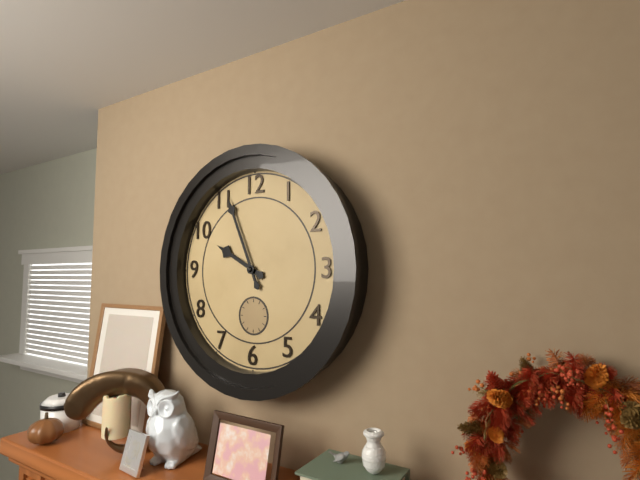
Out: 9h56
